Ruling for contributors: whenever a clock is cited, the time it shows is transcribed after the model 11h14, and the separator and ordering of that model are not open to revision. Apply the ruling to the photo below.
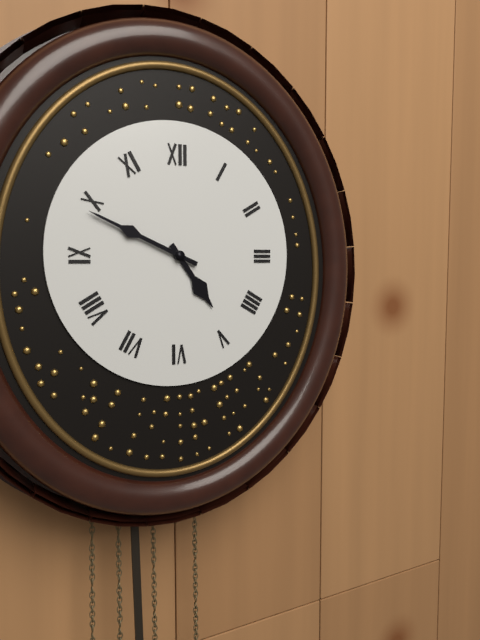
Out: 4h49
